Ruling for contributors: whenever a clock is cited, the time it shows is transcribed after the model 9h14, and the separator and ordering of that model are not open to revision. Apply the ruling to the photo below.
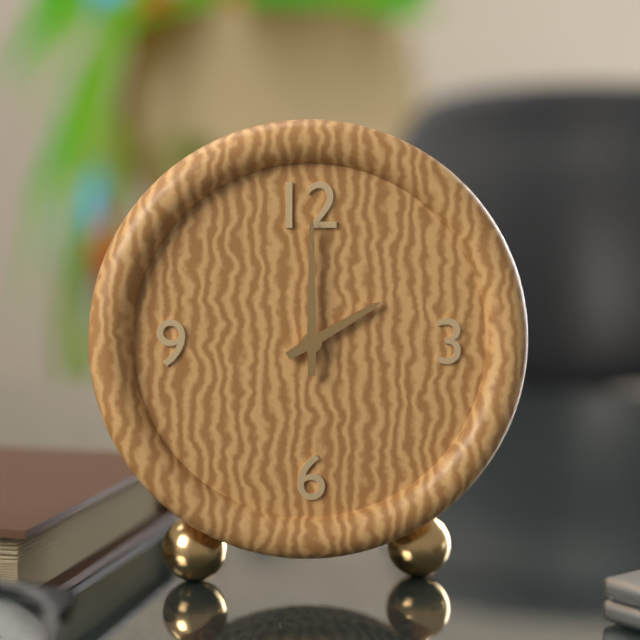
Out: 2h00
